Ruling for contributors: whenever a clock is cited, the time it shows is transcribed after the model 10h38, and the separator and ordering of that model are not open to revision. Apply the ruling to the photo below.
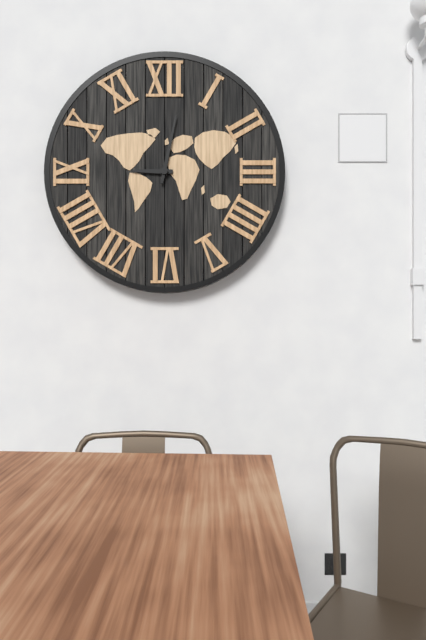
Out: 9h02
